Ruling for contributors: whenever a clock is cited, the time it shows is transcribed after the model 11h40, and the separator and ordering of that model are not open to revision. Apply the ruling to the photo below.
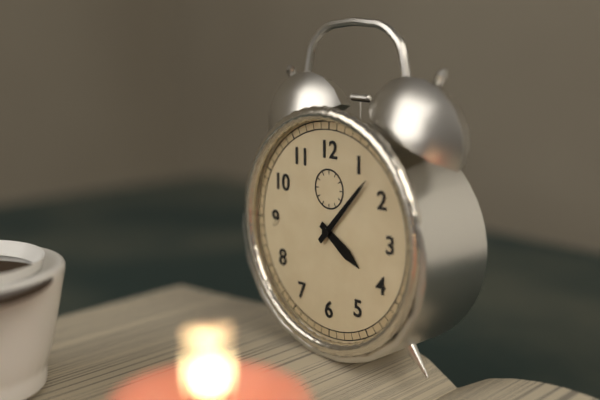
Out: 4h07
